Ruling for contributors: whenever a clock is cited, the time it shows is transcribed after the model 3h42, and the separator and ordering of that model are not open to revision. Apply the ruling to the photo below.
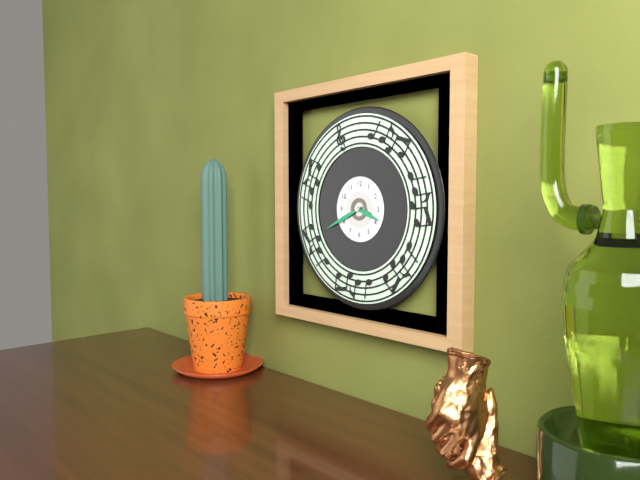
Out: 3h41
